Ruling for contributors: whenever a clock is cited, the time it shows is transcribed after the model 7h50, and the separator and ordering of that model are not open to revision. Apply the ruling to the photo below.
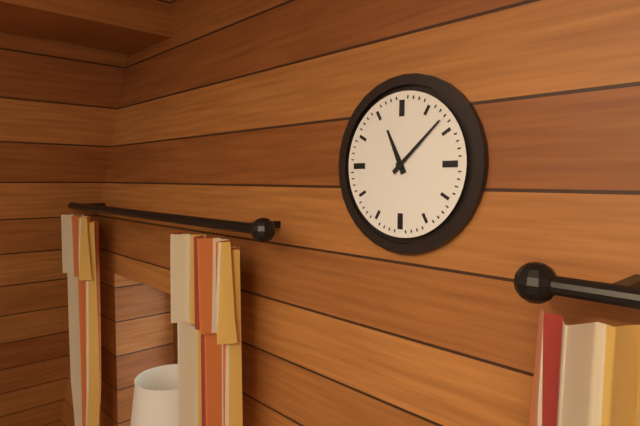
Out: 11h08
